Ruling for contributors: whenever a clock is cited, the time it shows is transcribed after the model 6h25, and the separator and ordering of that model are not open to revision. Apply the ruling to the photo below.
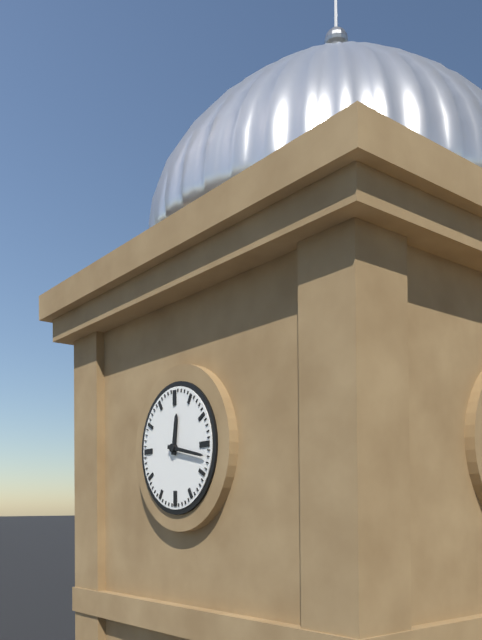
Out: 12h17
